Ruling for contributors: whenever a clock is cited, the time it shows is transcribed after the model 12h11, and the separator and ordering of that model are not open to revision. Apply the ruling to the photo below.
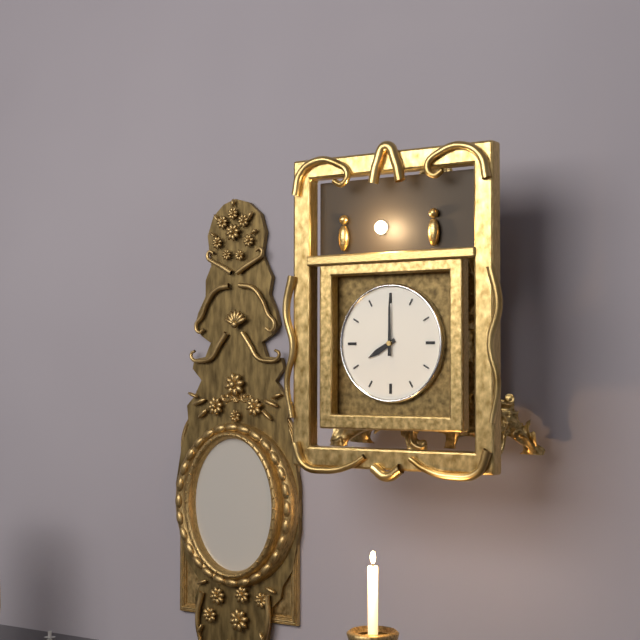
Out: 8h00
